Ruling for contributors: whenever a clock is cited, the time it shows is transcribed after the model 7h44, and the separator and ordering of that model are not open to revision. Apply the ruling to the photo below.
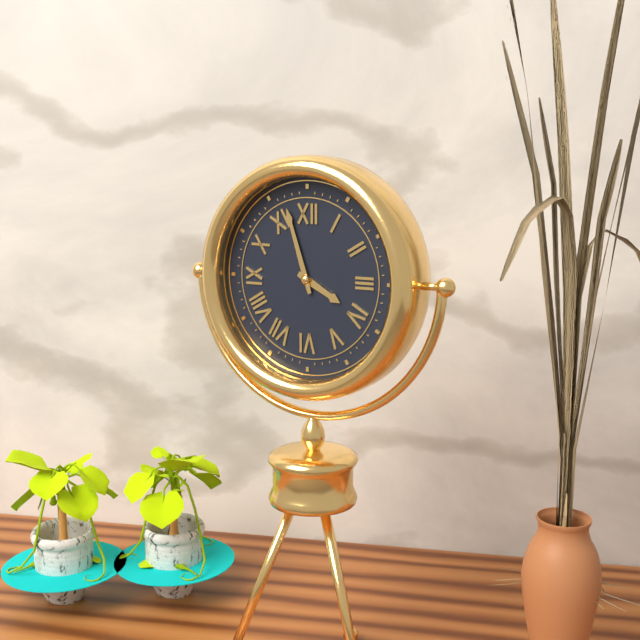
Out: 3h57
